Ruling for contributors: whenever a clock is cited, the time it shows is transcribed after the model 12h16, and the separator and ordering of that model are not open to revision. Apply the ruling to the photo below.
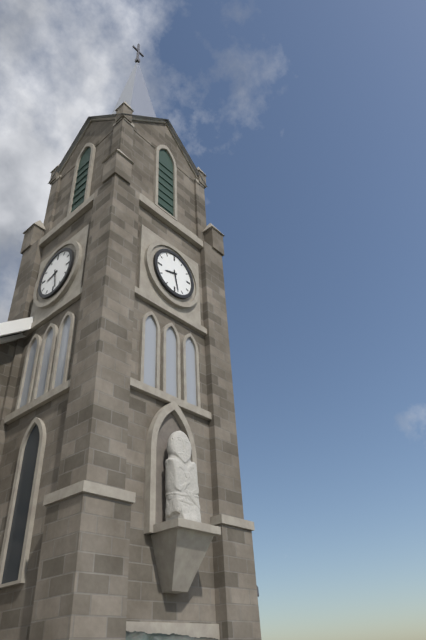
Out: 8h28
